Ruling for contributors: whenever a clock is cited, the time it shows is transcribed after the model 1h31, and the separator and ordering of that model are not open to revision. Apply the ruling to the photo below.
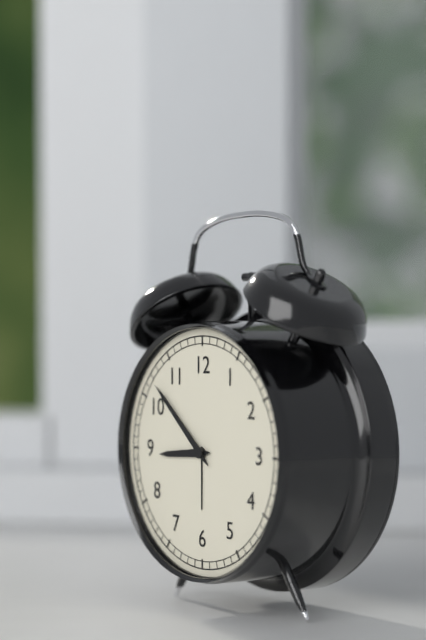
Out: 8h52
